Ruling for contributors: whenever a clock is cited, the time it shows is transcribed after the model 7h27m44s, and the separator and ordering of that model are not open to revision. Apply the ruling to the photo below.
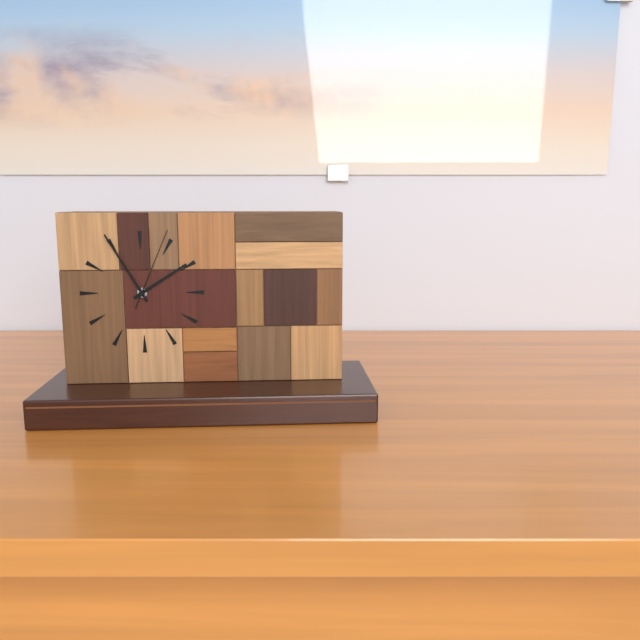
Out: 1h55m04s
